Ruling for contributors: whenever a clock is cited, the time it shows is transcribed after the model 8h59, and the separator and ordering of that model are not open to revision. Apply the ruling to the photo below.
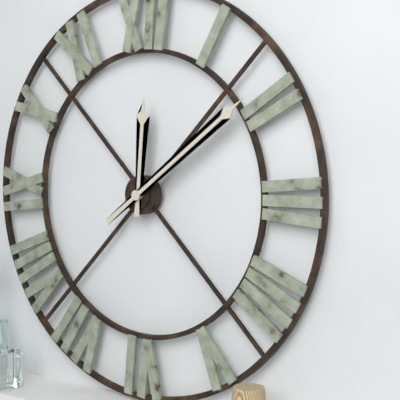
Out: 12h09
